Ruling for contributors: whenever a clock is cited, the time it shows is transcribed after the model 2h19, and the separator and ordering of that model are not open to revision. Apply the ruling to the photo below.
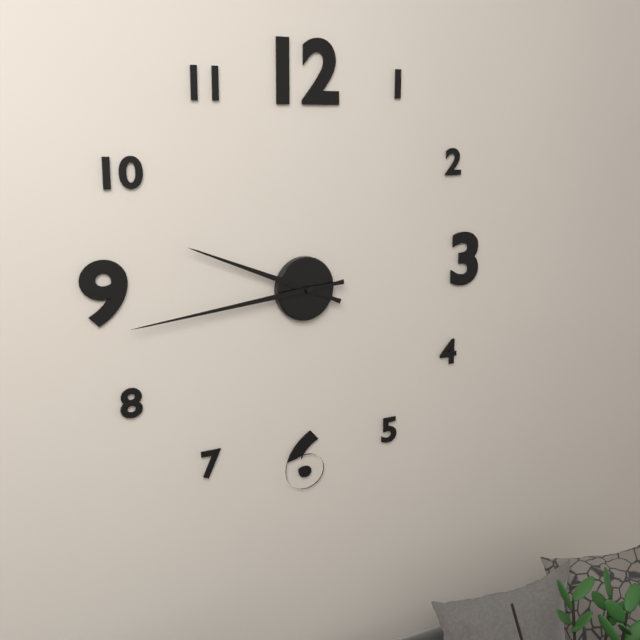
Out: 9h44
